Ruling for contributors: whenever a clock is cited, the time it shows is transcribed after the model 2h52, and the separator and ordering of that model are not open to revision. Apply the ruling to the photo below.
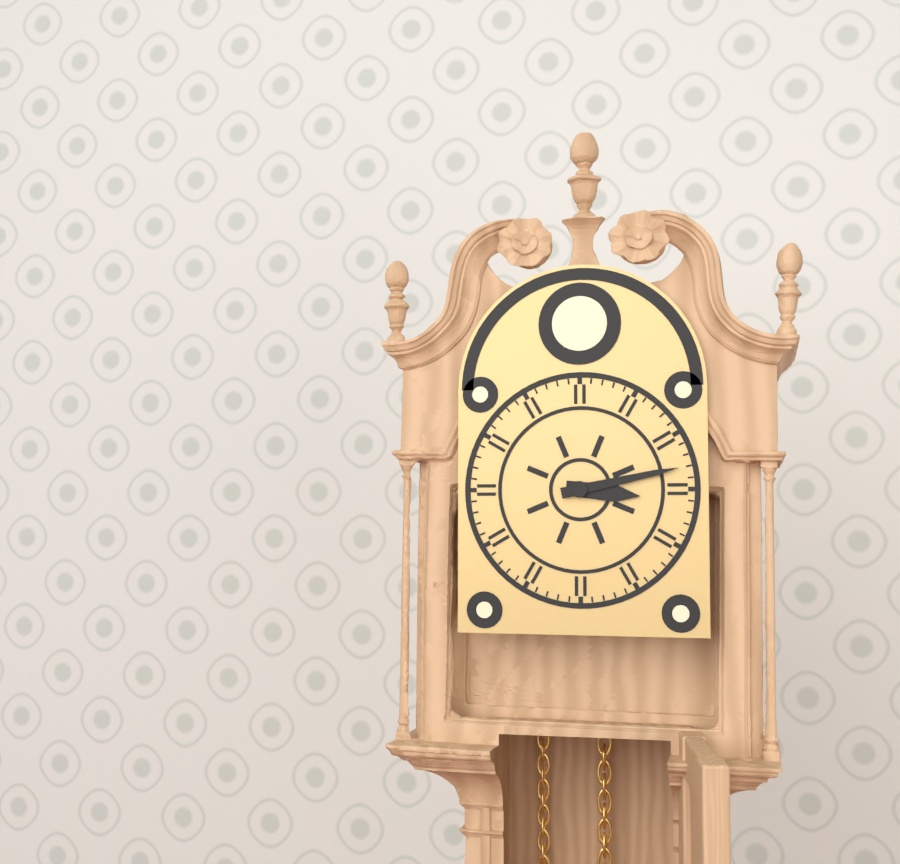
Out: 3h13
